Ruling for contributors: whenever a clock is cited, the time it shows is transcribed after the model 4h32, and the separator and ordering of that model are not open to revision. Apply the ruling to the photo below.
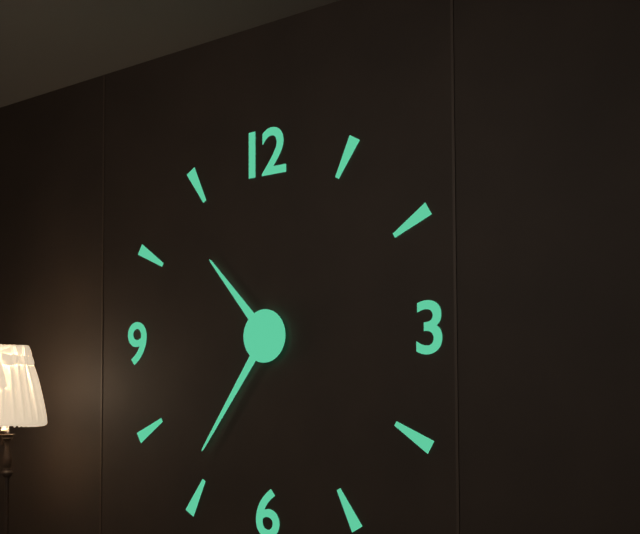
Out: 10h36
